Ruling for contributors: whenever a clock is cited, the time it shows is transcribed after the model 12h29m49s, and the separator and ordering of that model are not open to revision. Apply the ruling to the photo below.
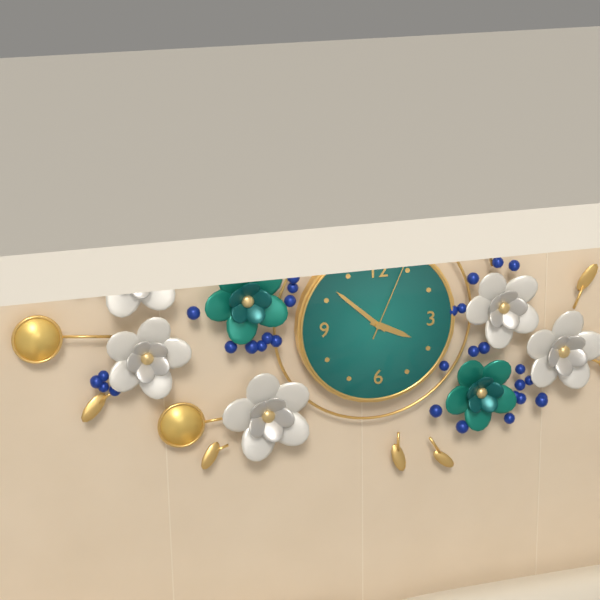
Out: 3h52m04s
